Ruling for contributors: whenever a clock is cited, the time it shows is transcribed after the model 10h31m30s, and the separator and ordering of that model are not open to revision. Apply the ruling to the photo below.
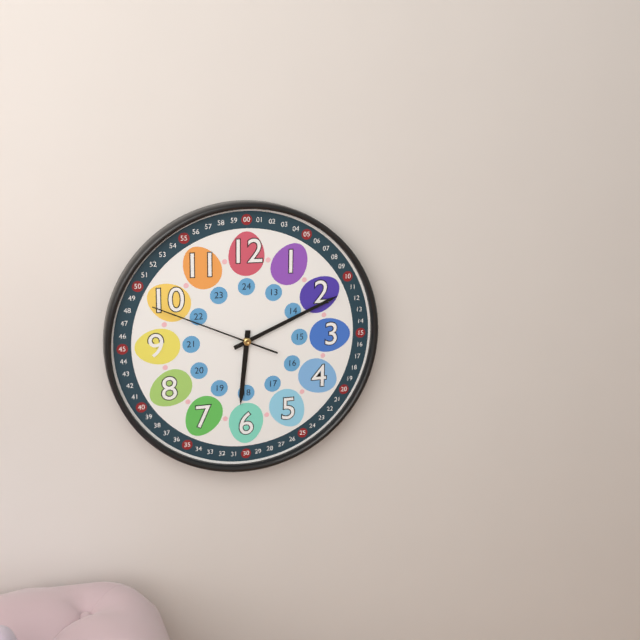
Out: 6h11m49s
